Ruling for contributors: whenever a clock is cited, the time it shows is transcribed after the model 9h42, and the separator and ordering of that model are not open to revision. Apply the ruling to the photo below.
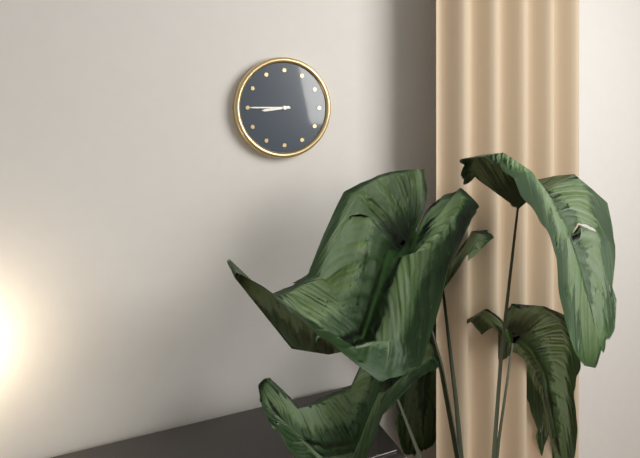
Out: 8h45
